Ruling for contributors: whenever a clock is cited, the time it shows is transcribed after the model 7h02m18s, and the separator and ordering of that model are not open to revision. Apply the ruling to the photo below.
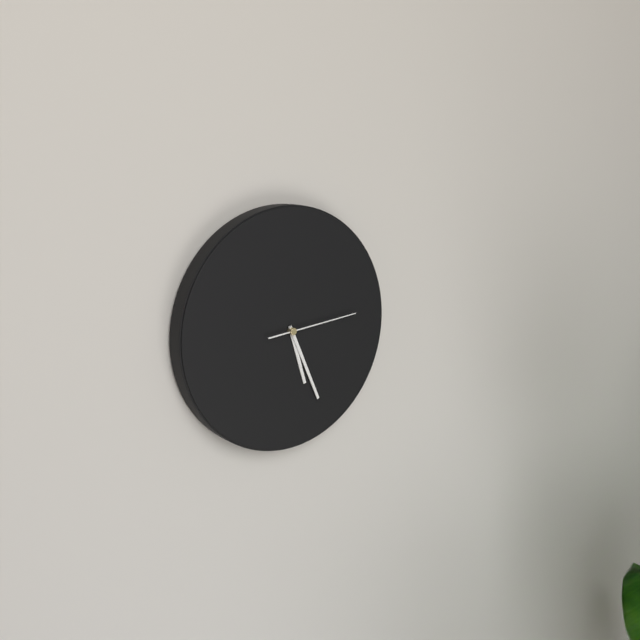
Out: 5h26m14s
